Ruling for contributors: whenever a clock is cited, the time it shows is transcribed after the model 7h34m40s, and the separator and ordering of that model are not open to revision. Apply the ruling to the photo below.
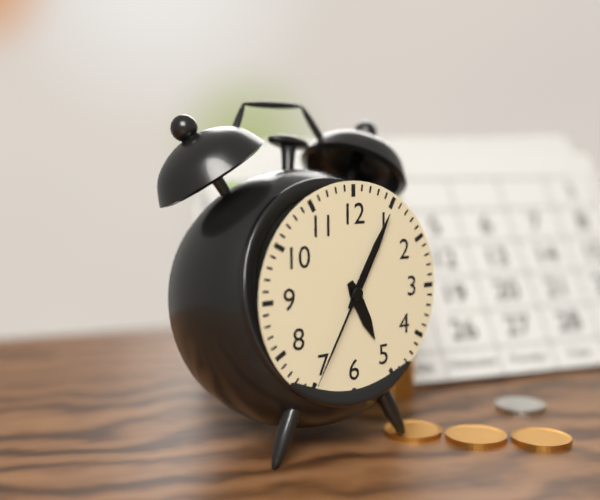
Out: 5h05m35s
